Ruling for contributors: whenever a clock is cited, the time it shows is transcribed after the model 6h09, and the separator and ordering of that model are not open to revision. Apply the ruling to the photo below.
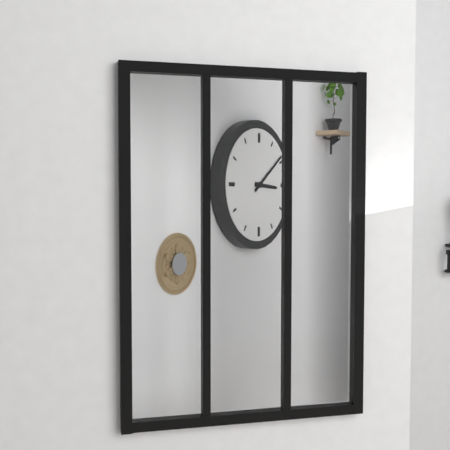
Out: 3h09
